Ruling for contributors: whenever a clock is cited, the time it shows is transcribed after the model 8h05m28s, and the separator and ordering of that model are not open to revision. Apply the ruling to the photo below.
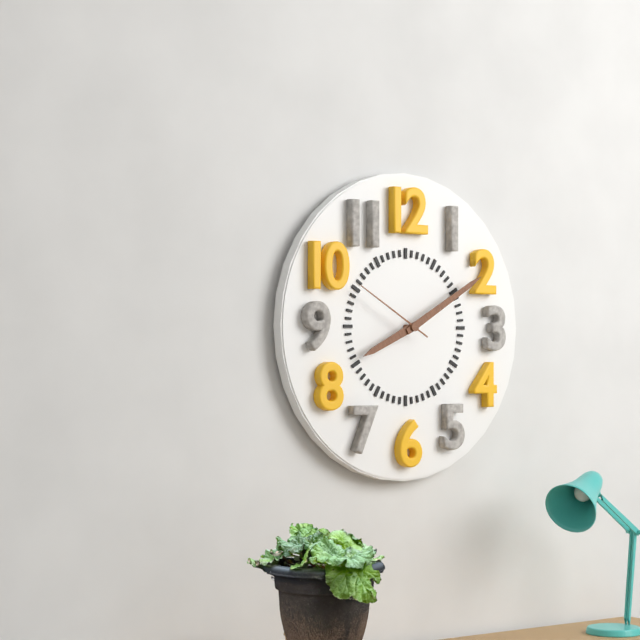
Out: 8h10m50s
